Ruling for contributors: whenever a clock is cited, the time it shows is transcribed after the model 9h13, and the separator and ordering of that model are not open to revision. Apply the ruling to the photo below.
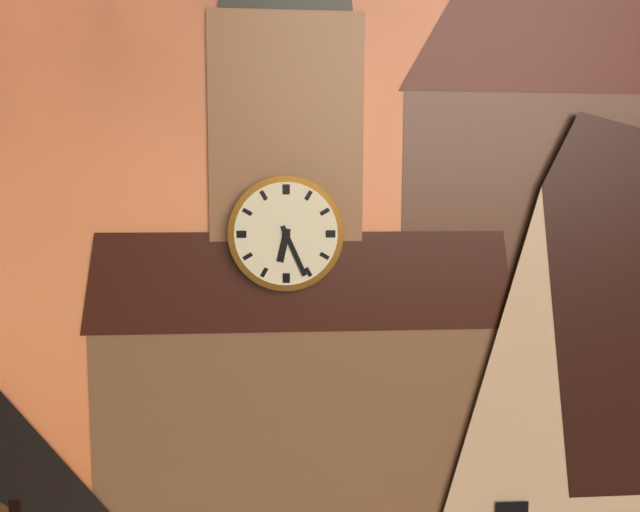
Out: 6h26
